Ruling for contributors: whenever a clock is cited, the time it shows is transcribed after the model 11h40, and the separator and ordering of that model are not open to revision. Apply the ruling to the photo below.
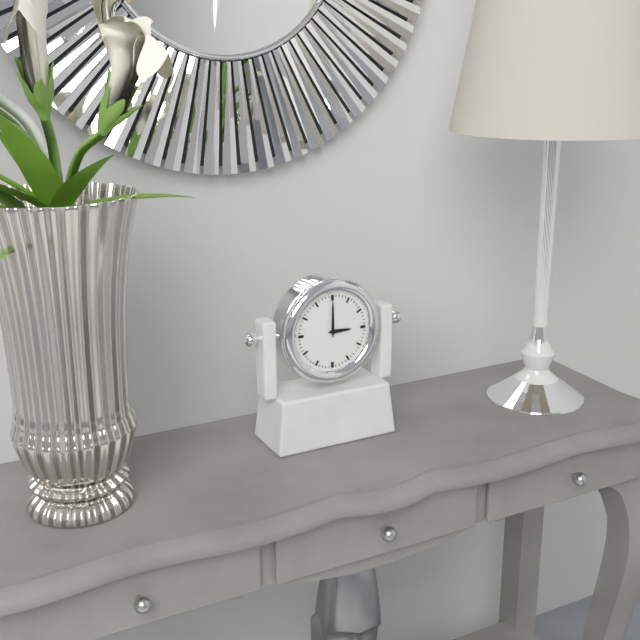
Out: 3h00
